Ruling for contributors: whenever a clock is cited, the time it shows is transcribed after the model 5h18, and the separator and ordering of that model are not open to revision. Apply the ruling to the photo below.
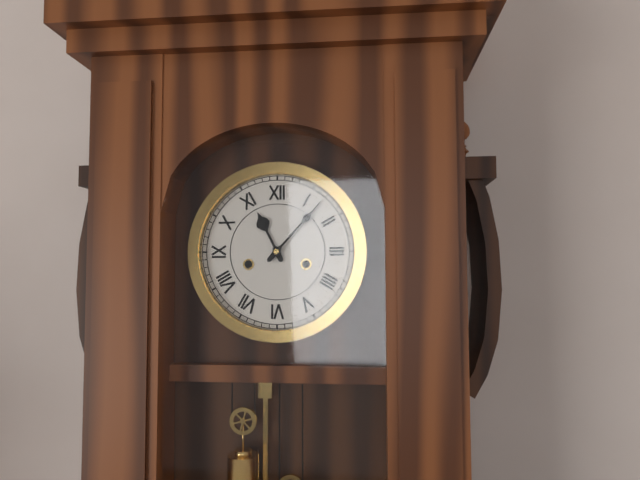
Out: 11h07
